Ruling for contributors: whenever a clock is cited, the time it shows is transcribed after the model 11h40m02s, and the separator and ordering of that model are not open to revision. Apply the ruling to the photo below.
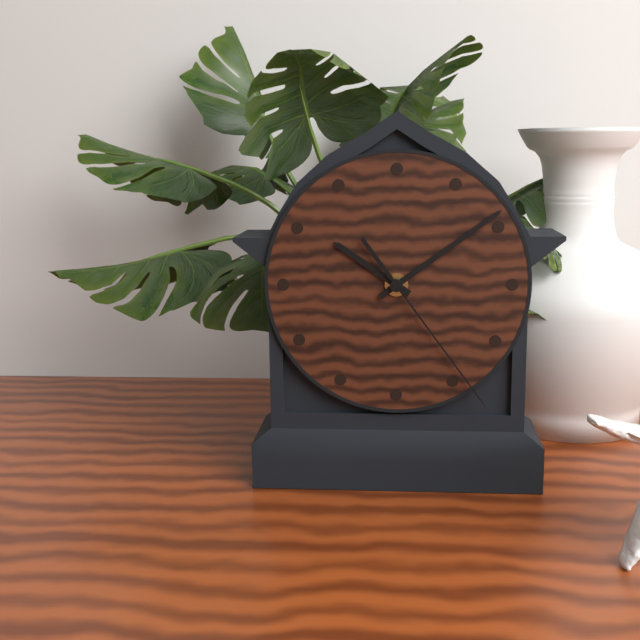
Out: 10h09m24s
